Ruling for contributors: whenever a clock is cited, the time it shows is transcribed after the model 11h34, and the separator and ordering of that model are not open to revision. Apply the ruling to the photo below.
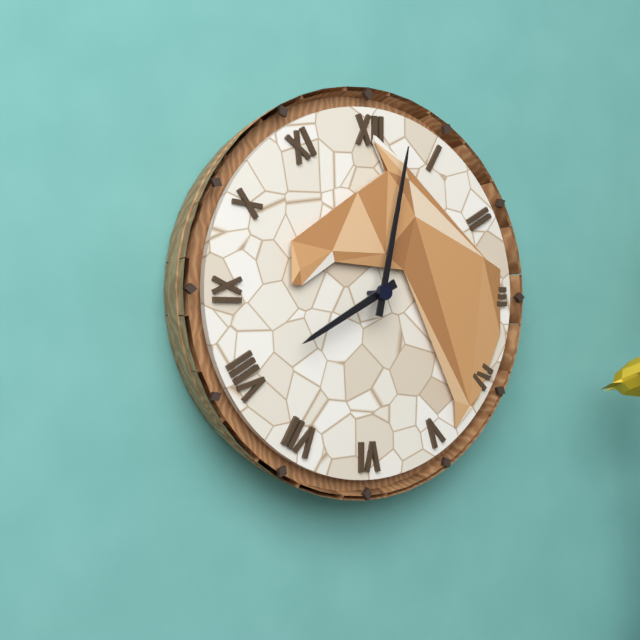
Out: 8h02
